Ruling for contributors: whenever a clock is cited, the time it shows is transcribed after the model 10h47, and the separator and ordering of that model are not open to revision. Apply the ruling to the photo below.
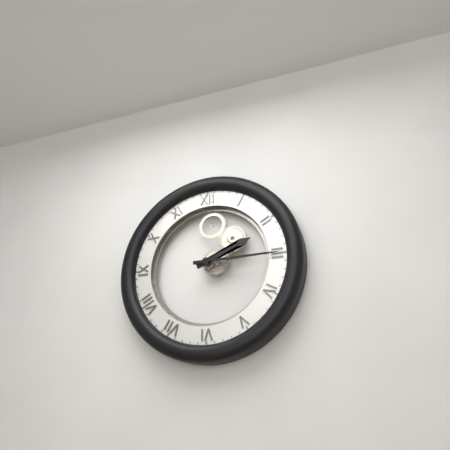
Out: 2h15
